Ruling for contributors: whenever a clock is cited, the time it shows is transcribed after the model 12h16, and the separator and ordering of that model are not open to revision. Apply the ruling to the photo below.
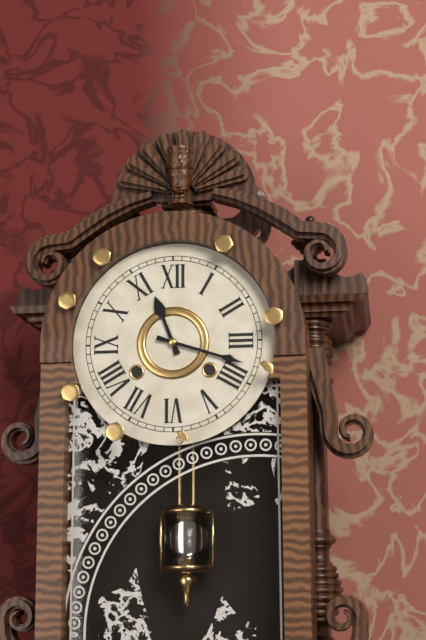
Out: 11h18
